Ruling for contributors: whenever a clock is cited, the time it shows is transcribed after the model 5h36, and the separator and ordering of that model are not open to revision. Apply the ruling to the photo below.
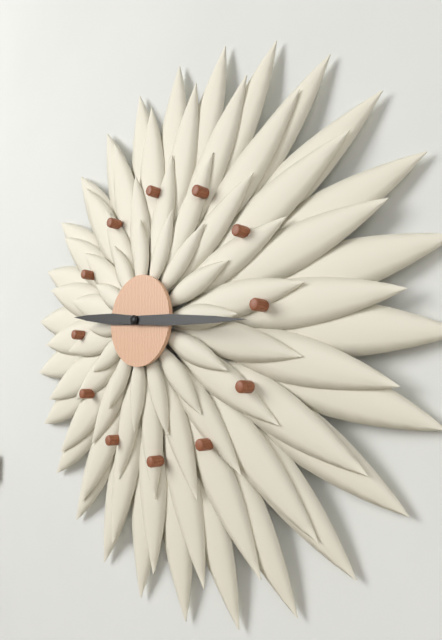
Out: 9h16
